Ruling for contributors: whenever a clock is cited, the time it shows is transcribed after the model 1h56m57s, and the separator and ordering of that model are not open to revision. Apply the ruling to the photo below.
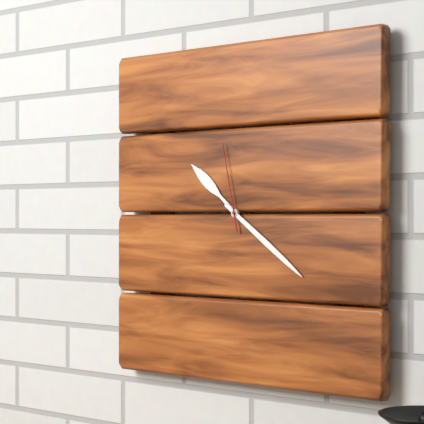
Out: 10h21m58s
